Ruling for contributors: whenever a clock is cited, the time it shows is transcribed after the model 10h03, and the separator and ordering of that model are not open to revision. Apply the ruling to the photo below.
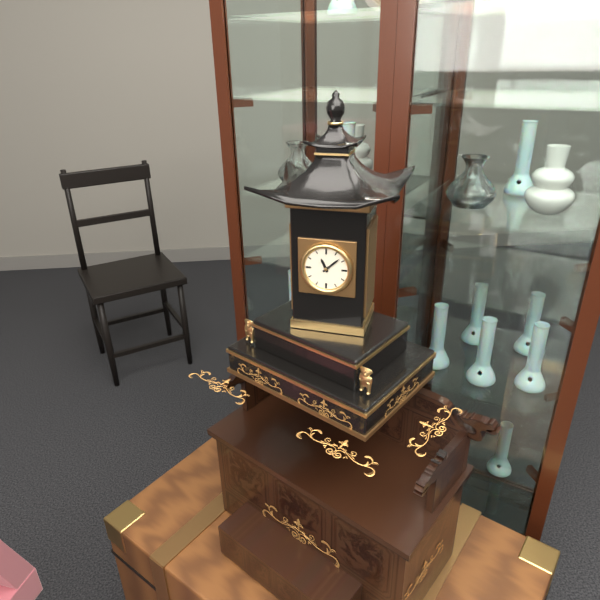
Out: 11h08
